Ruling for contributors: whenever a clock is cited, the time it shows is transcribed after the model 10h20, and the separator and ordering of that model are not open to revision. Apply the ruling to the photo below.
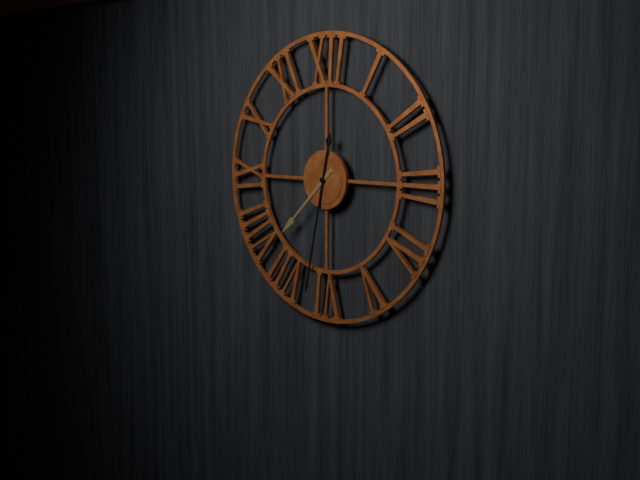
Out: 7h32
